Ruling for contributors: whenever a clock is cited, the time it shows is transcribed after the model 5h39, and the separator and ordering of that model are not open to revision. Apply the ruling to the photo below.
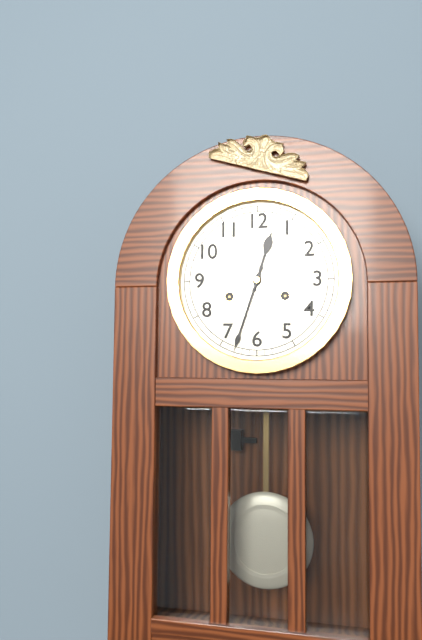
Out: 12h33
